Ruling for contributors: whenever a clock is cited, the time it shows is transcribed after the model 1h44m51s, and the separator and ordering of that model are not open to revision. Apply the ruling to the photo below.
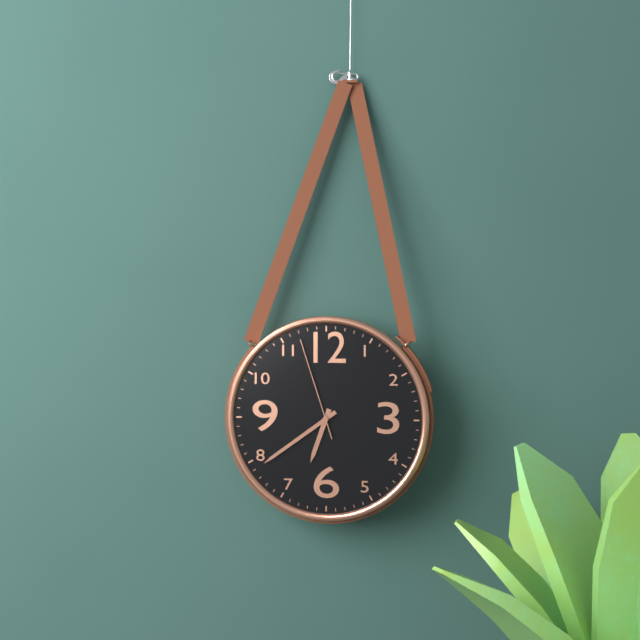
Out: 6h39m57s
